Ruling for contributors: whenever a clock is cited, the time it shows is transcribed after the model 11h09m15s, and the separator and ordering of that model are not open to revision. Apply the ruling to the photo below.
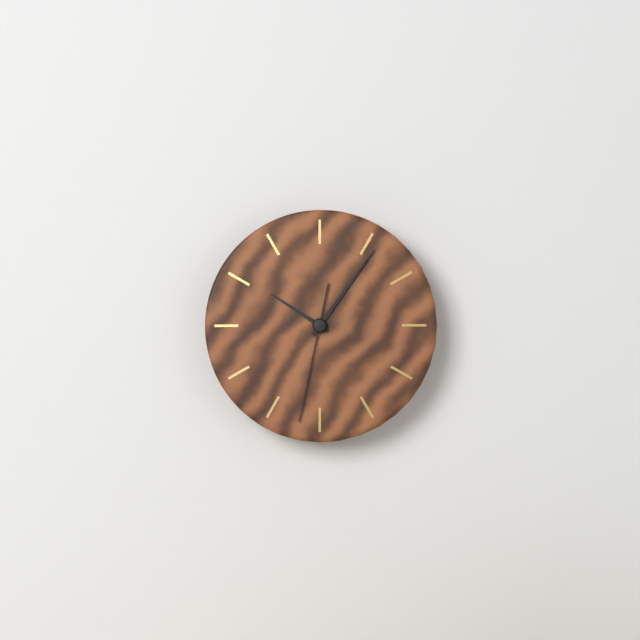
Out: 10h06m32s
